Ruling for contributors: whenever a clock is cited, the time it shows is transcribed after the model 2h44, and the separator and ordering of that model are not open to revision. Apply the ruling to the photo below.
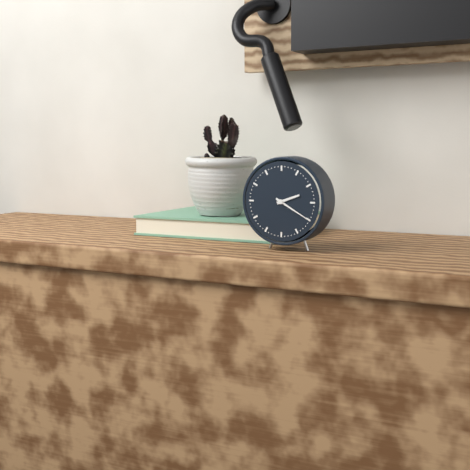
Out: 2h20
